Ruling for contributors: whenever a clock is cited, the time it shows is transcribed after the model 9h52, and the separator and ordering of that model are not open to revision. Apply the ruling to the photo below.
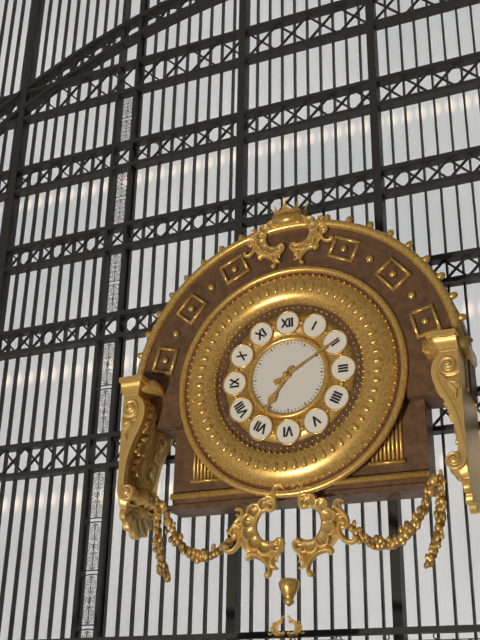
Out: 7h10
